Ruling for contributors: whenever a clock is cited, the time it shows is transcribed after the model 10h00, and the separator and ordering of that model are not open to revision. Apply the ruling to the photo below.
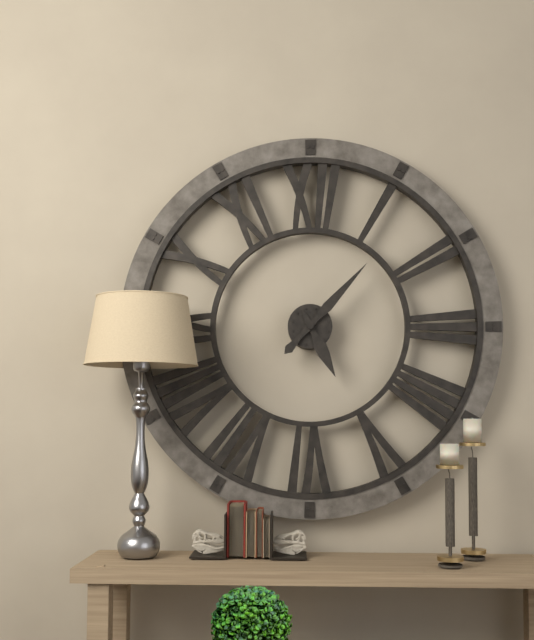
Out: 5h07
